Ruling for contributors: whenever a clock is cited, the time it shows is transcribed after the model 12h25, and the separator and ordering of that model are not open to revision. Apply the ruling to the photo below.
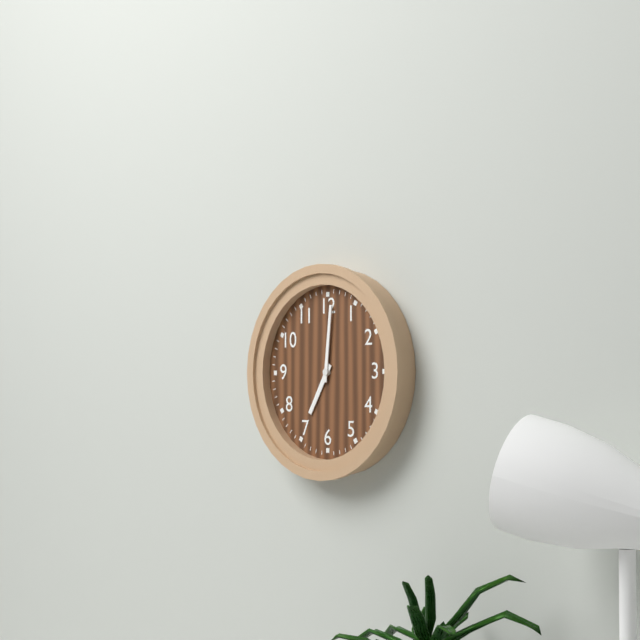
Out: 7h01
